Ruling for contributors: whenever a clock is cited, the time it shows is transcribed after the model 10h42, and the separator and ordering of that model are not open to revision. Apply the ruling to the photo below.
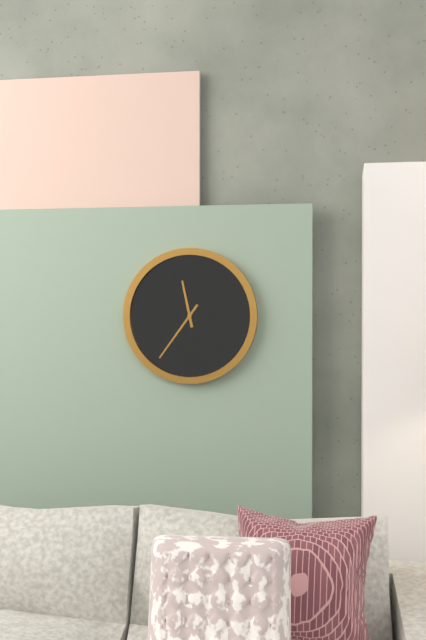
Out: 11h36
